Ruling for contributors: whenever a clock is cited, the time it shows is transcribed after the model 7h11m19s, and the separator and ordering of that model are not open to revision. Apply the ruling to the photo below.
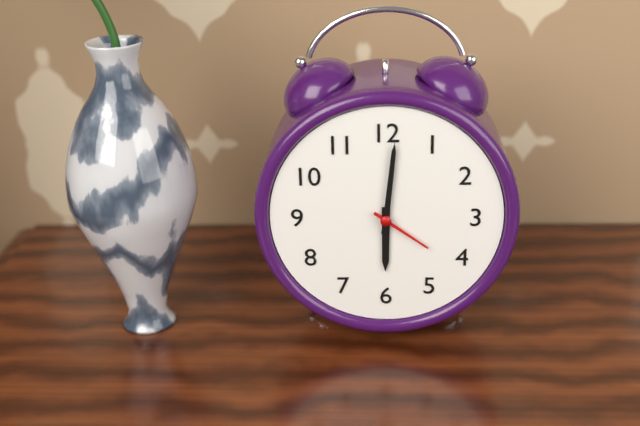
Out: 6h01m21s
